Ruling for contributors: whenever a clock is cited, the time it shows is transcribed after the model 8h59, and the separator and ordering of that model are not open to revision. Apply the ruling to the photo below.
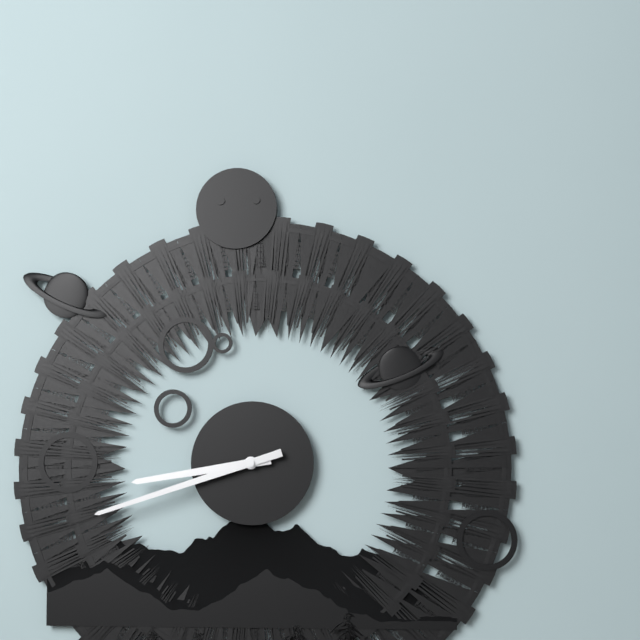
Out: 8h42
